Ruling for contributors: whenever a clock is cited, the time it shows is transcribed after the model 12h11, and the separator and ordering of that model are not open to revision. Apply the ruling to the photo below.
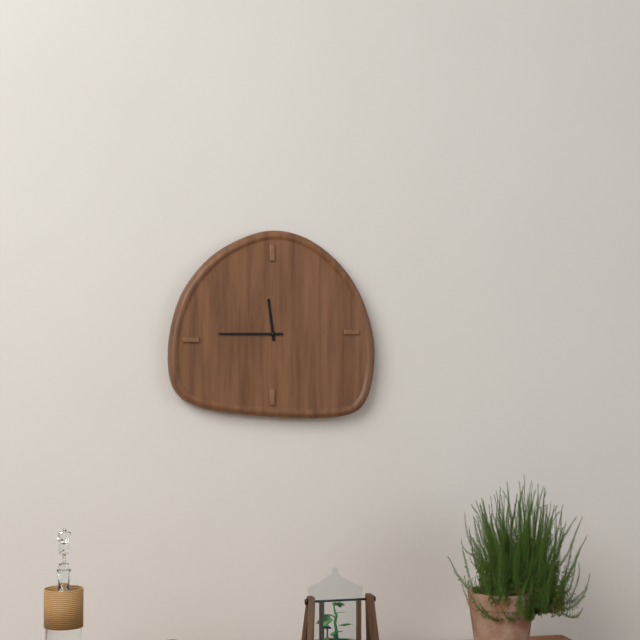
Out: 11h45
